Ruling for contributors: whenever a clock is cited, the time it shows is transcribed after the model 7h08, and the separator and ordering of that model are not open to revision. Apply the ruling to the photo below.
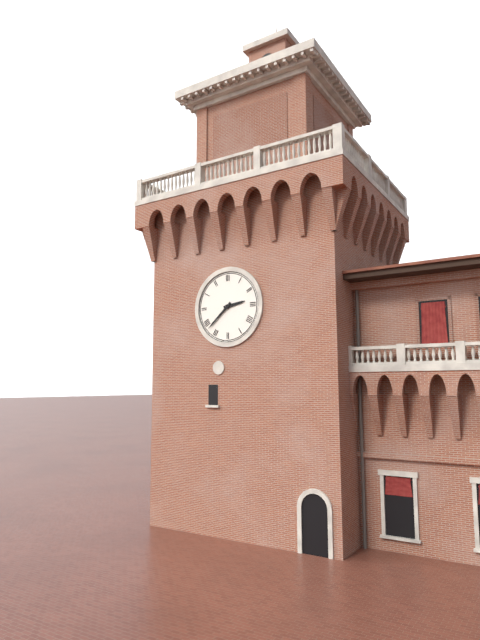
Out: 2h38
